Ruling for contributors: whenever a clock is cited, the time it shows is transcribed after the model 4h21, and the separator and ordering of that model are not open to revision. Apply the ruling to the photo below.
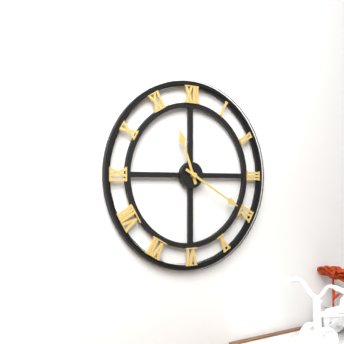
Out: 11h20
